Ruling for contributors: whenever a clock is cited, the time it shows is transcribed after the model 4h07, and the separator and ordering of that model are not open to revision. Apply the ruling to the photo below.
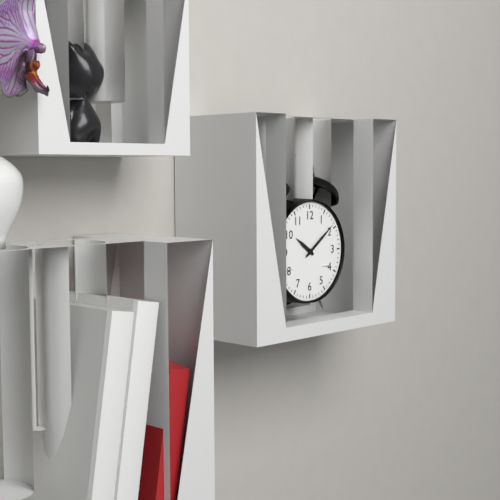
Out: 10h09
